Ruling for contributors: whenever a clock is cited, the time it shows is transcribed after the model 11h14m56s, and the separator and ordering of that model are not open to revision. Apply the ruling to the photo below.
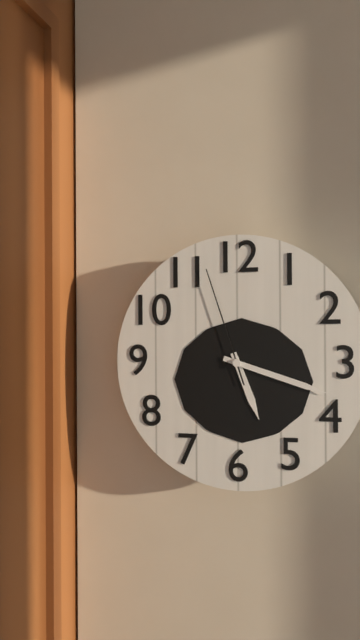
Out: 5h18m57s
